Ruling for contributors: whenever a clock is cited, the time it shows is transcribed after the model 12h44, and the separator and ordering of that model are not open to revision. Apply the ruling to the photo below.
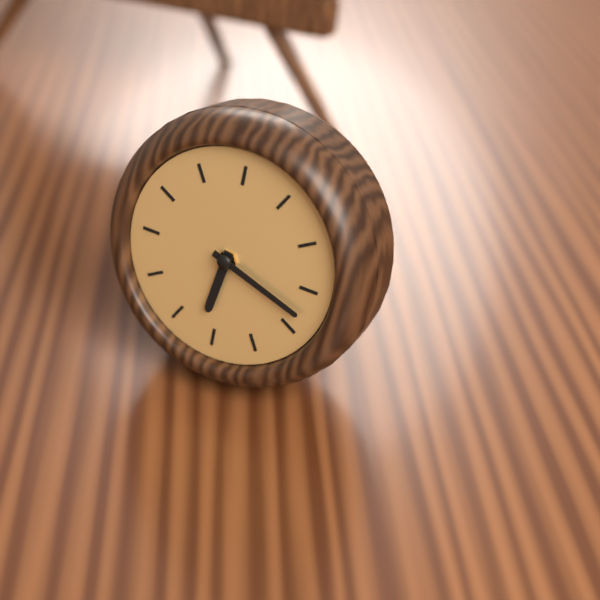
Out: 6h18
